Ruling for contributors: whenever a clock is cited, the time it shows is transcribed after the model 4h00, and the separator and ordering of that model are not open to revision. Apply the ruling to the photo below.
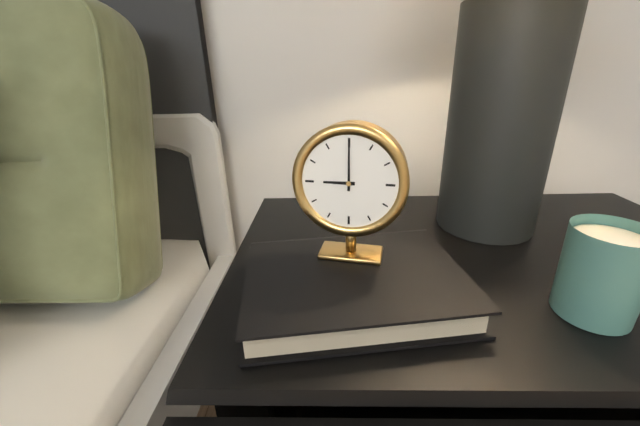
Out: 9h00
